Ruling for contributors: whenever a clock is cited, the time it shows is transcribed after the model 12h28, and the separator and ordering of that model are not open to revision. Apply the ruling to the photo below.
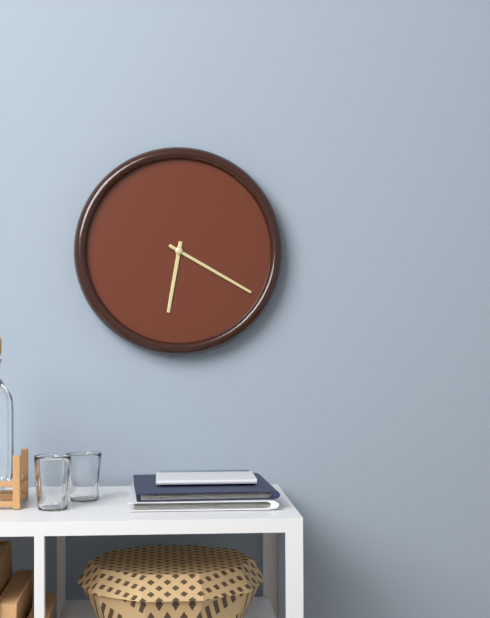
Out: 6h20
